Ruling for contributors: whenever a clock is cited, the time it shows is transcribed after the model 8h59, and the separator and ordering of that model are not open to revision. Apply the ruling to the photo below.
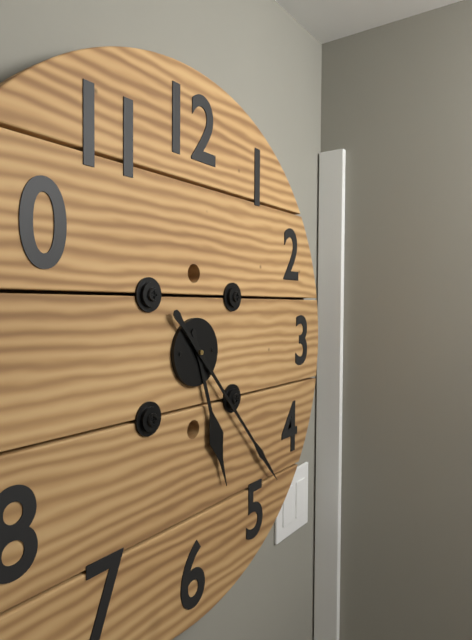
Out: 5h23
